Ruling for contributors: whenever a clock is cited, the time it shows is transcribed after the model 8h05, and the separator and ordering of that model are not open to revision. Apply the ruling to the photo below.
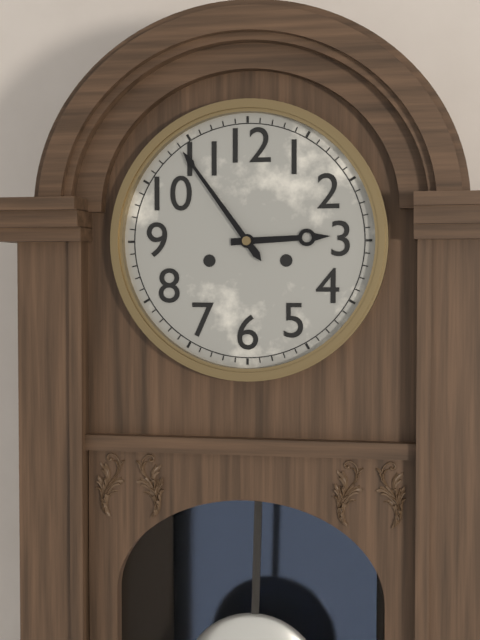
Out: 2h54
